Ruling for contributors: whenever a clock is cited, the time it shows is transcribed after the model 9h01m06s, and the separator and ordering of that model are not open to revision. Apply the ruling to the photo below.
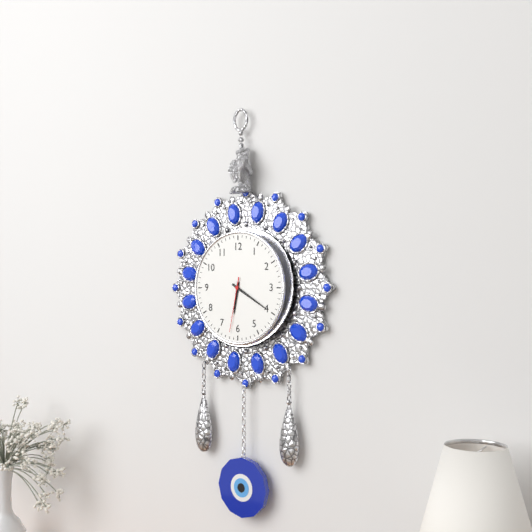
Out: 6h20m32s
